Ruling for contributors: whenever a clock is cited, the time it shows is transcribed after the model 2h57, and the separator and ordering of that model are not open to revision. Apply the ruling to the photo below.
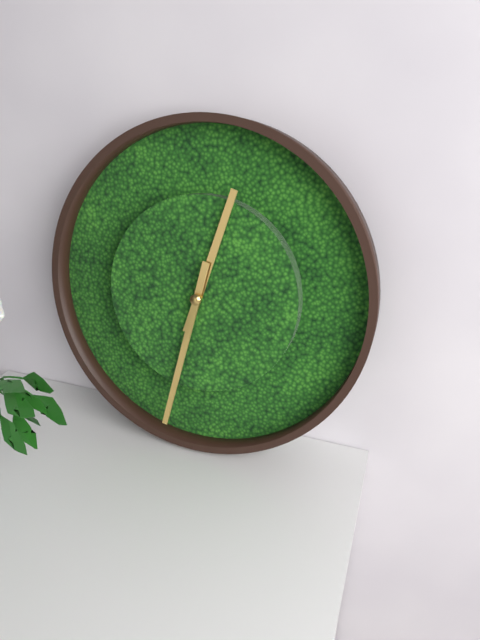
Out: 12h32
